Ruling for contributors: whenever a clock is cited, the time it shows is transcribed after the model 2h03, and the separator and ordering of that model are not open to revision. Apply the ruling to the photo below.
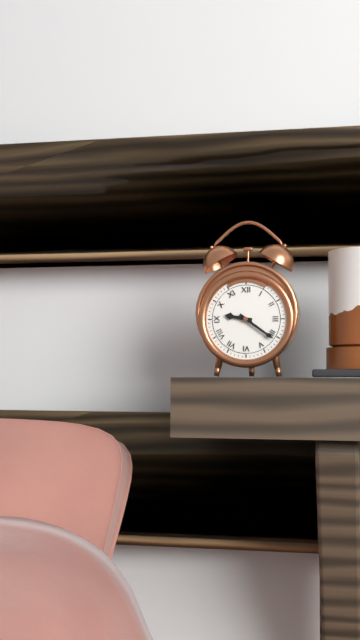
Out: 9h21
